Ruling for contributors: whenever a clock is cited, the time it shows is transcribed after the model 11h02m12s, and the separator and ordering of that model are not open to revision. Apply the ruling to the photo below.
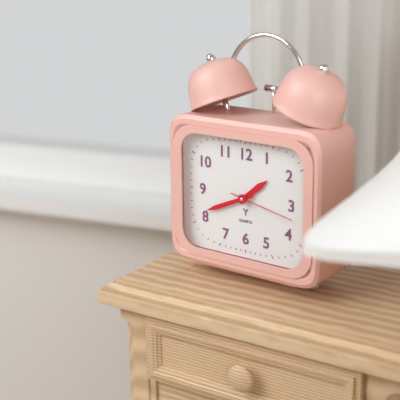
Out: 1h41m17s
